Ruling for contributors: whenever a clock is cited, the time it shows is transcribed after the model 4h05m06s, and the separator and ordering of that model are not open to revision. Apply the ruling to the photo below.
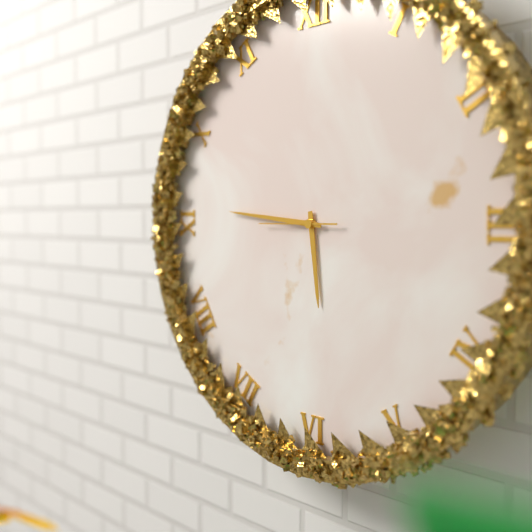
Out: 5h46m45s
